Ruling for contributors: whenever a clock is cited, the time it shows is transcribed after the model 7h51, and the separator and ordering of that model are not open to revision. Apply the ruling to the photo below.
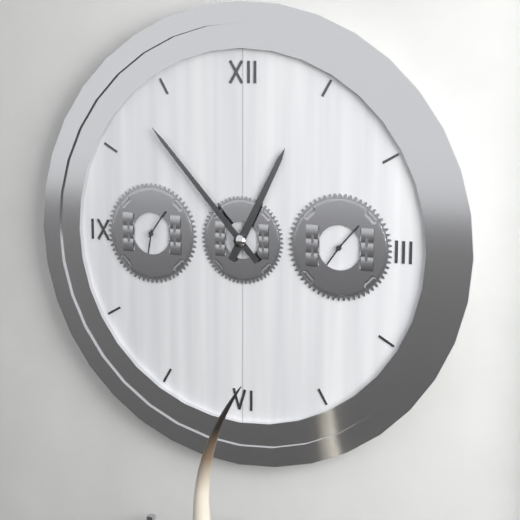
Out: 12h53
